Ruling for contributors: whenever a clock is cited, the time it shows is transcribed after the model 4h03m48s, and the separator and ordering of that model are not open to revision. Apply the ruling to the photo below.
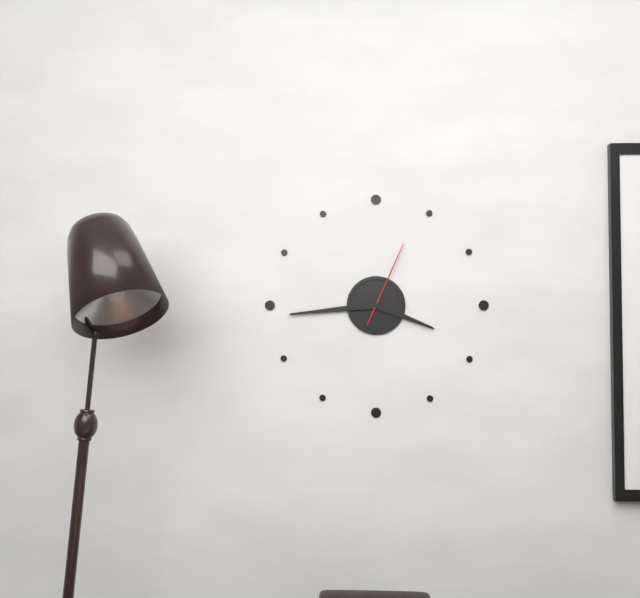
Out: 3h44m04s
